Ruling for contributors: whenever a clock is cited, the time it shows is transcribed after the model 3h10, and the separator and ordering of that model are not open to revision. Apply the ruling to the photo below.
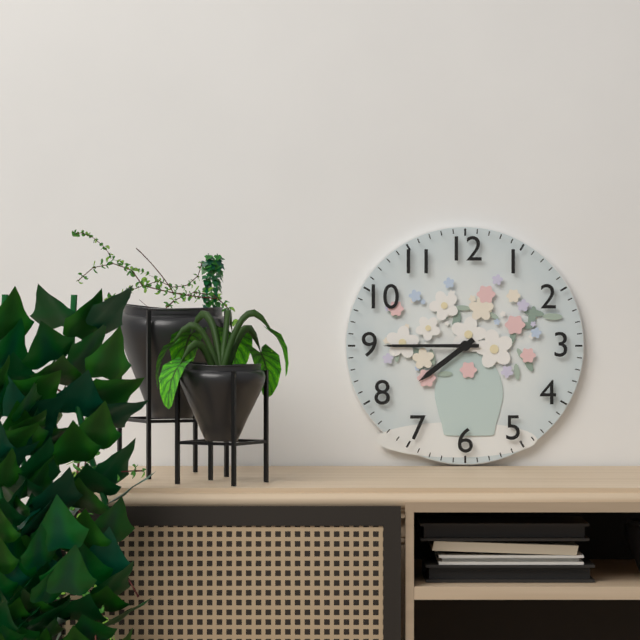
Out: 7h45
